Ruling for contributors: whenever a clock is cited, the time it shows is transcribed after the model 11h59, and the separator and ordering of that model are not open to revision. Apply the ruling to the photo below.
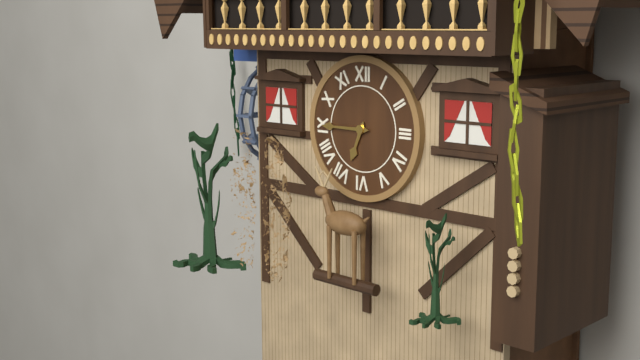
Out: 6h45
